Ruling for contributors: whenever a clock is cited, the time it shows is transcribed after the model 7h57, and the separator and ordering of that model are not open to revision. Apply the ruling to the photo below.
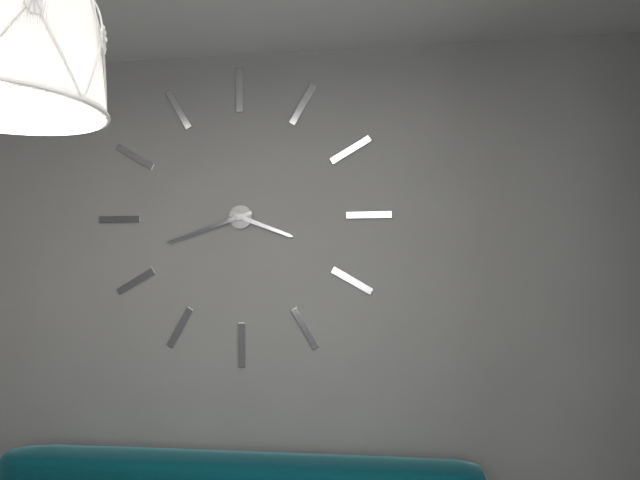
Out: 3h42
